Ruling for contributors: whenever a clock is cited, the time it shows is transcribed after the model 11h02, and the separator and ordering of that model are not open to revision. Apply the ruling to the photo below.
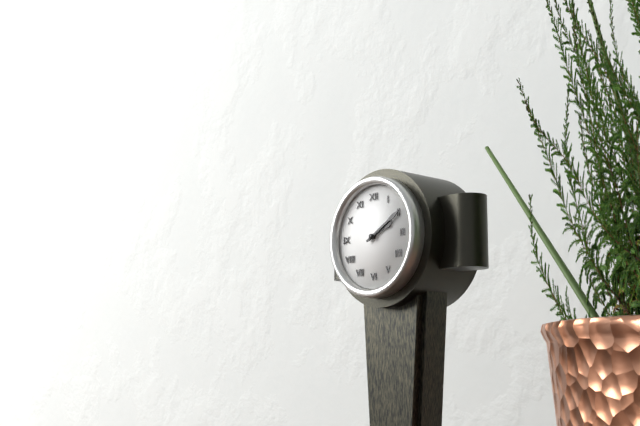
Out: 2h10
